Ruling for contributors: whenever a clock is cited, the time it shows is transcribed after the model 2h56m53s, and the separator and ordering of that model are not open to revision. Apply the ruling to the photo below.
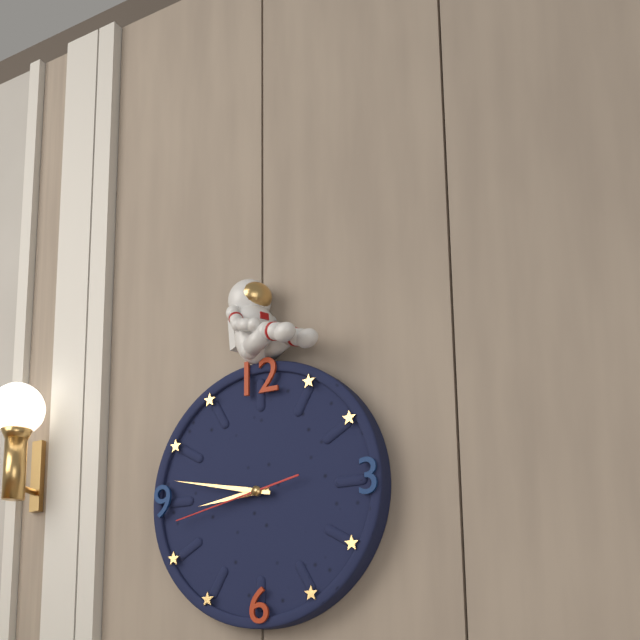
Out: 8h47m43s
